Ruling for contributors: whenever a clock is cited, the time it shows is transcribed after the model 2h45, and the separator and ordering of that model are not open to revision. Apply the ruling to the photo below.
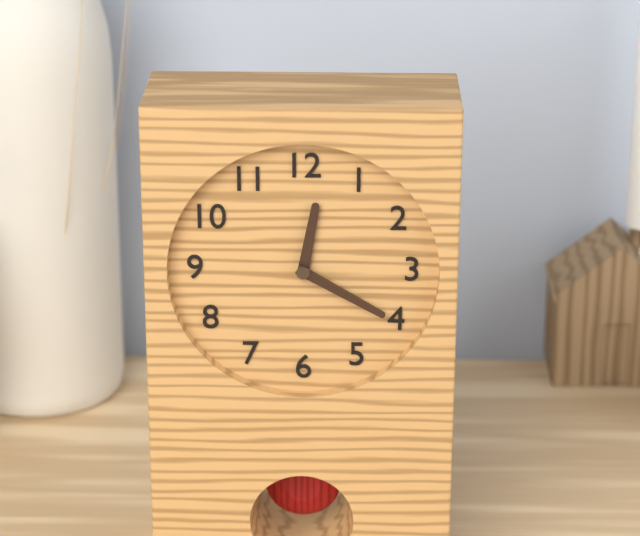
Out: 12h20
